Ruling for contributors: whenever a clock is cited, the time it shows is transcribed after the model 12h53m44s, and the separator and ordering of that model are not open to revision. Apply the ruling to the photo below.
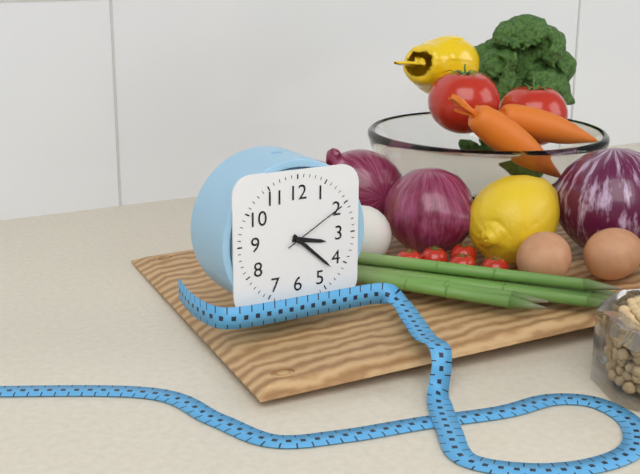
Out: 3h22m10s
